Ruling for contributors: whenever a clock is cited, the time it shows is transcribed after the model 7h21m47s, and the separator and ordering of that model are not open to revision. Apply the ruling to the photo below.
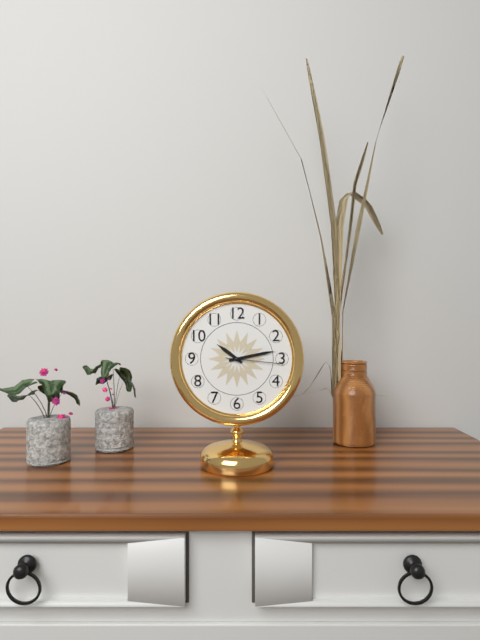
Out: 10h13m16s
